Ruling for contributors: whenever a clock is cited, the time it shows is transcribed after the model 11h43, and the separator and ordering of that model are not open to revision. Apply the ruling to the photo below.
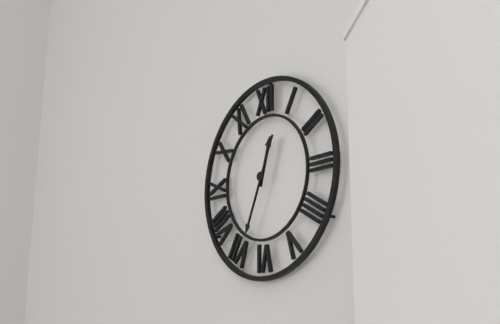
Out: 12h34
